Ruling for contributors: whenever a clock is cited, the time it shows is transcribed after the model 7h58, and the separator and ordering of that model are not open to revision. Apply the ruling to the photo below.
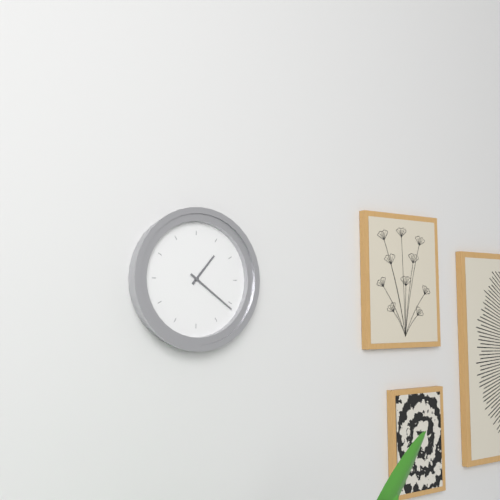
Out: 1h21
